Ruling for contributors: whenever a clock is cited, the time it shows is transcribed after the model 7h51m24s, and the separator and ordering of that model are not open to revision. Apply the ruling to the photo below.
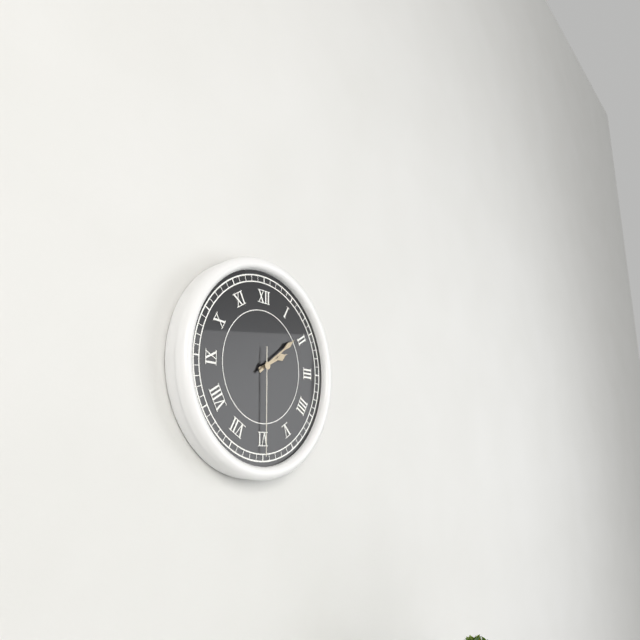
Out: 2h09m30s
